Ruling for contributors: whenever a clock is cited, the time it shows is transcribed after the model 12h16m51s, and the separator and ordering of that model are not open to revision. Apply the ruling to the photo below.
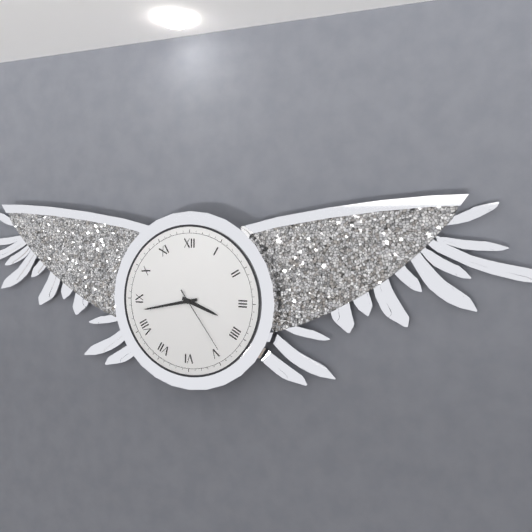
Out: 3h43m24s
